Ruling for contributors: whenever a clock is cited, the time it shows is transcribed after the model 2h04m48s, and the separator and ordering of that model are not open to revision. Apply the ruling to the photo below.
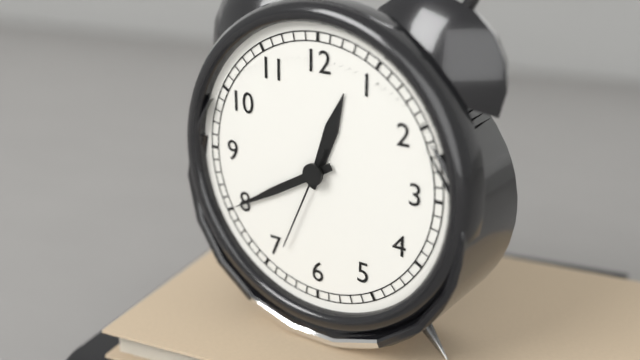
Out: 12h40m34s
